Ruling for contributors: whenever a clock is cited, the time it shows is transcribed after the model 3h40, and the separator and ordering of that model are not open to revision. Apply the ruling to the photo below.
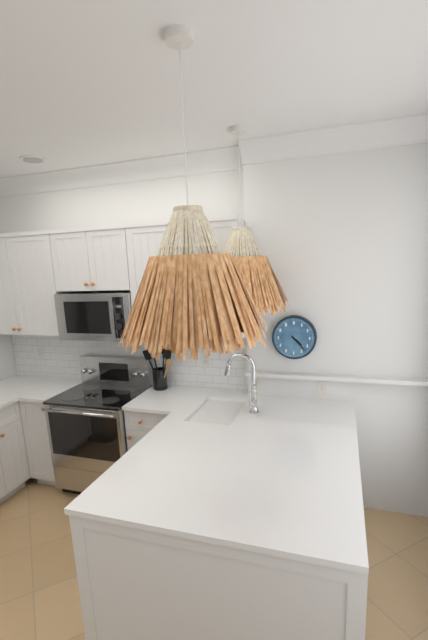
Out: 4h23
